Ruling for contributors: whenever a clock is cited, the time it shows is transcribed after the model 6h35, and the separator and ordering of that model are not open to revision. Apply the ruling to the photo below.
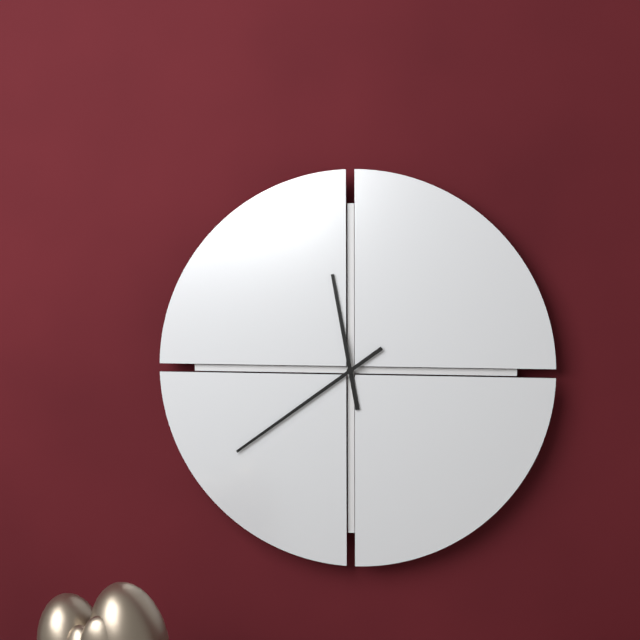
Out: 11h39
